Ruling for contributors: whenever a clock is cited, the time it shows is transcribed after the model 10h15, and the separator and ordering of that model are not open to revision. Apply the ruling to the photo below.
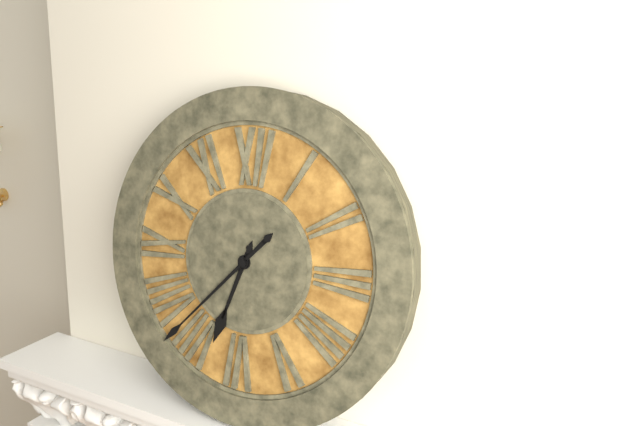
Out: 6h37
